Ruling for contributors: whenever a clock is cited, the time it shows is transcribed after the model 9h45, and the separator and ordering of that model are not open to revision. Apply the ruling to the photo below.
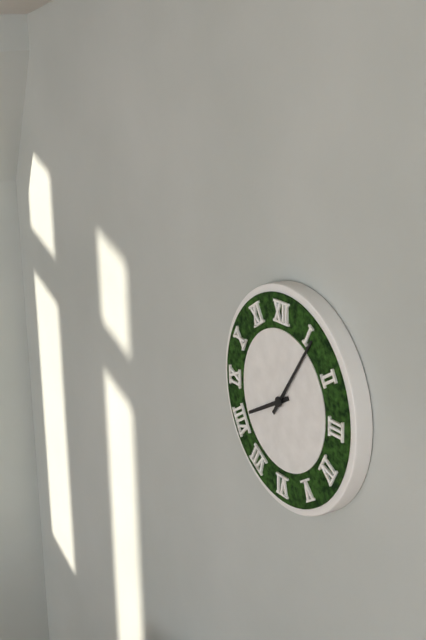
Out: 8h06
